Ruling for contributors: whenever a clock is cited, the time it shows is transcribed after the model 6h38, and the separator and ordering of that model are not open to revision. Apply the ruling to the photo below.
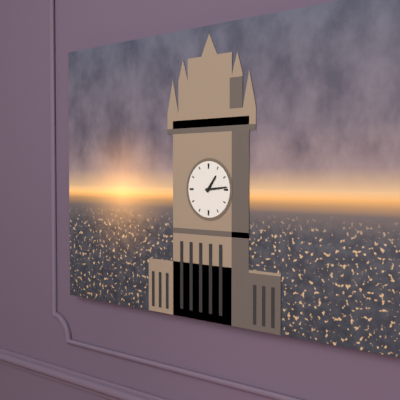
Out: 1h14
